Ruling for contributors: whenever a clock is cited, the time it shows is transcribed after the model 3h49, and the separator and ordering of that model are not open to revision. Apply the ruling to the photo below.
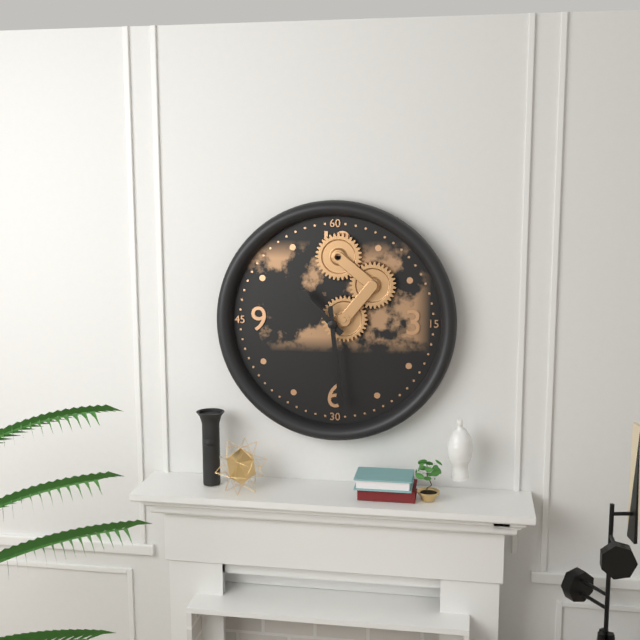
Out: 10h29
